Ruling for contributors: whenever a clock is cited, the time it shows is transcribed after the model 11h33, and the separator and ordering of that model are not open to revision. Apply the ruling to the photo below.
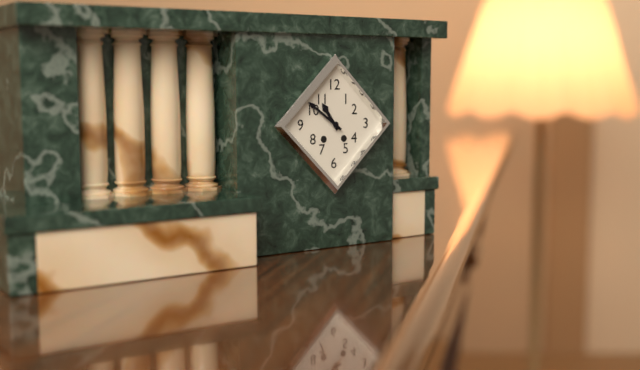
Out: 10h51
